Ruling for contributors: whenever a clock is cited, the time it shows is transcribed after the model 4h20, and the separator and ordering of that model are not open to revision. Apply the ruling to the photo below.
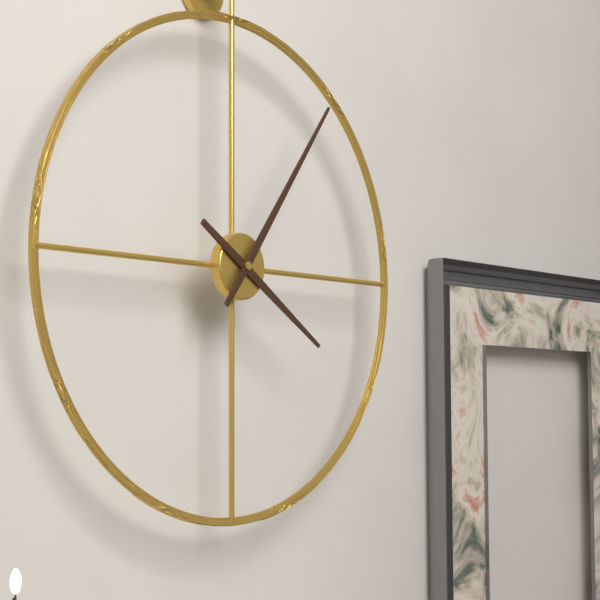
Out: 4h06
